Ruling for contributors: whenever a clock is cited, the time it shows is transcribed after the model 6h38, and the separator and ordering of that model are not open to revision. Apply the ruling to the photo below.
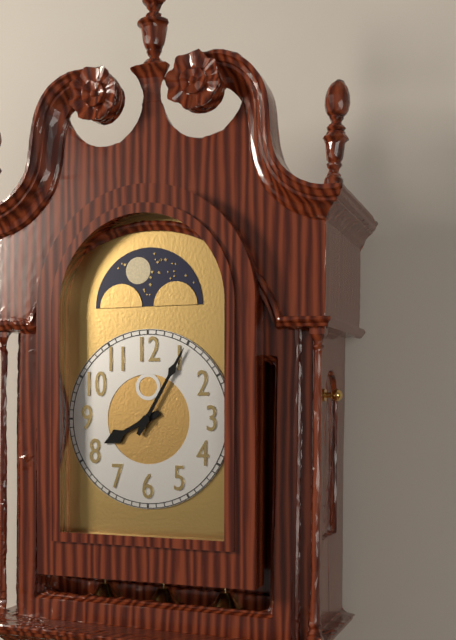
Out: 8h05
